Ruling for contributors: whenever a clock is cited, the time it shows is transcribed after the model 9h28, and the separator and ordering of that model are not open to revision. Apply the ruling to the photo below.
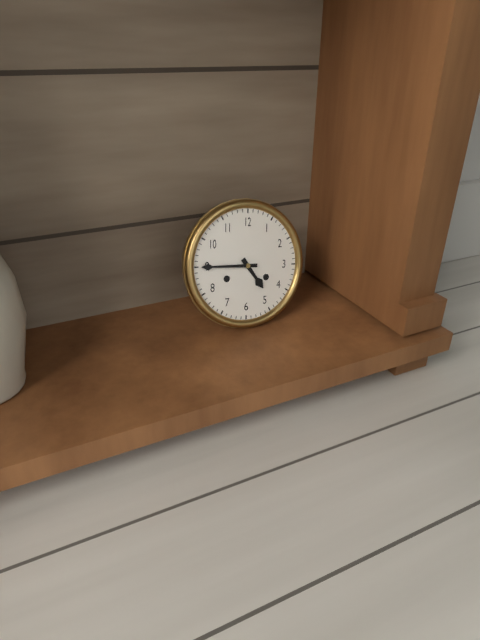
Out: 4h45
